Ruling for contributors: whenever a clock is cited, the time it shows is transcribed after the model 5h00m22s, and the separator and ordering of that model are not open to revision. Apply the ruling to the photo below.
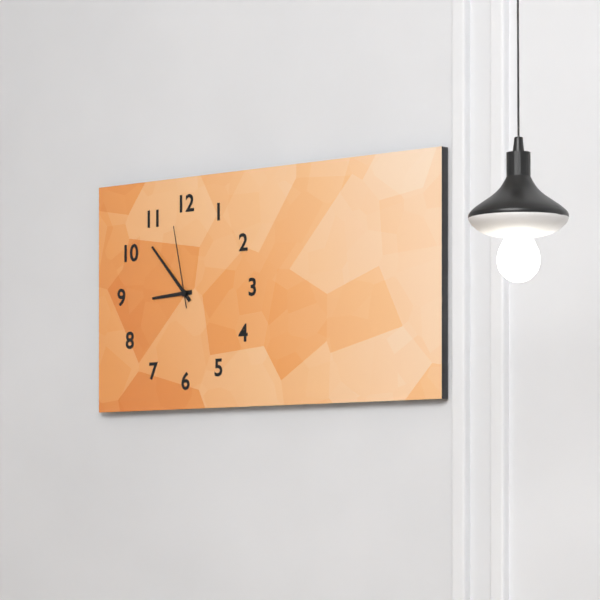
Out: 8h53m58s
